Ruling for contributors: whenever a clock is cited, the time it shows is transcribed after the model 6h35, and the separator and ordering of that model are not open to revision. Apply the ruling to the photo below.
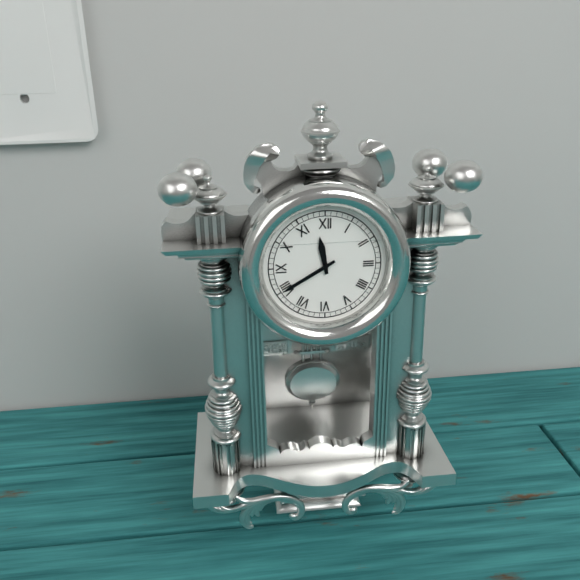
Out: 11h40
